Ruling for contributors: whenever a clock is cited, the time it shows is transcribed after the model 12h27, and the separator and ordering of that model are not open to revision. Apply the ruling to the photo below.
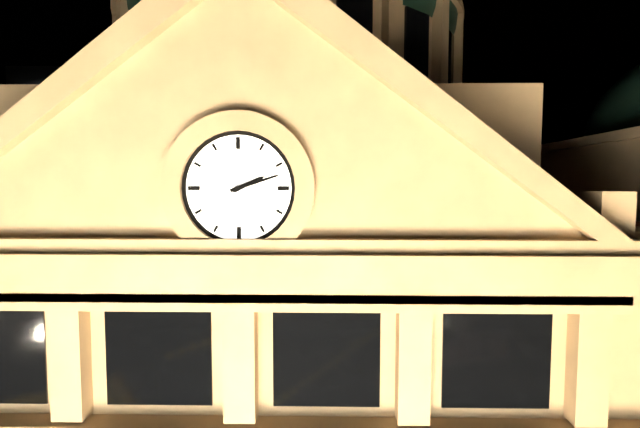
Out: 2h12
